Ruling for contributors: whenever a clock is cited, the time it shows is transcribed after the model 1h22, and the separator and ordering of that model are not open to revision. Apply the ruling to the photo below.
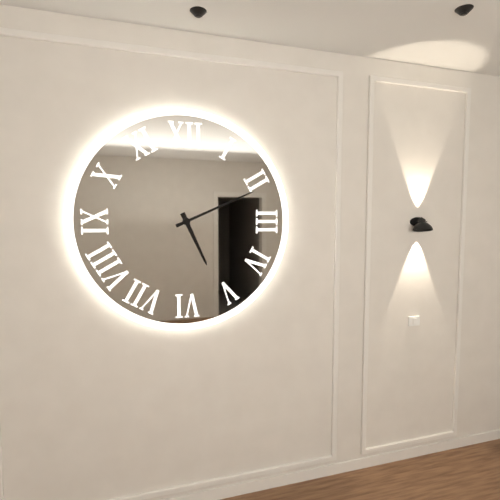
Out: 5h11
